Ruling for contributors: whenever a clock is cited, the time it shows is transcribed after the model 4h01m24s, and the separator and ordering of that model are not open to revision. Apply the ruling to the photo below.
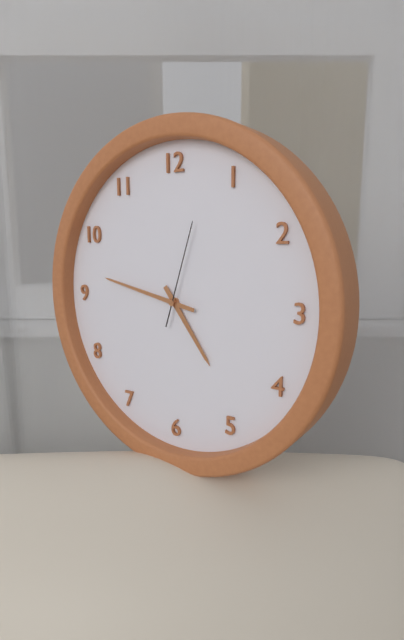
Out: 4h47m03s
